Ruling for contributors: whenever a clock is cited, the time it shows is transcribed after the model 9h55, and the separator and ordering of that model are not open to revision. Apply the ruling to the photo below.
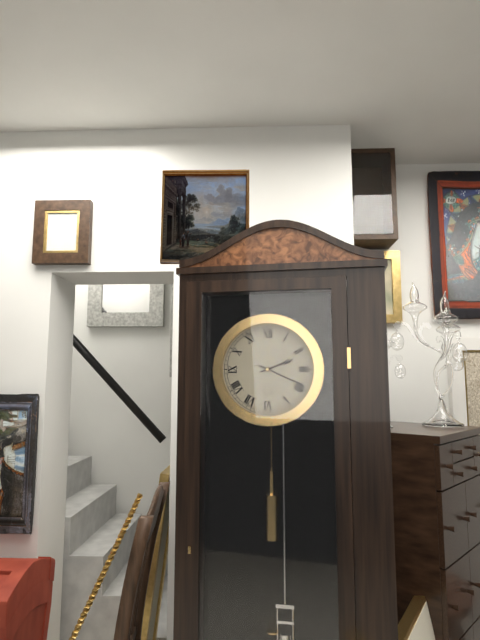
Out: 2h19
